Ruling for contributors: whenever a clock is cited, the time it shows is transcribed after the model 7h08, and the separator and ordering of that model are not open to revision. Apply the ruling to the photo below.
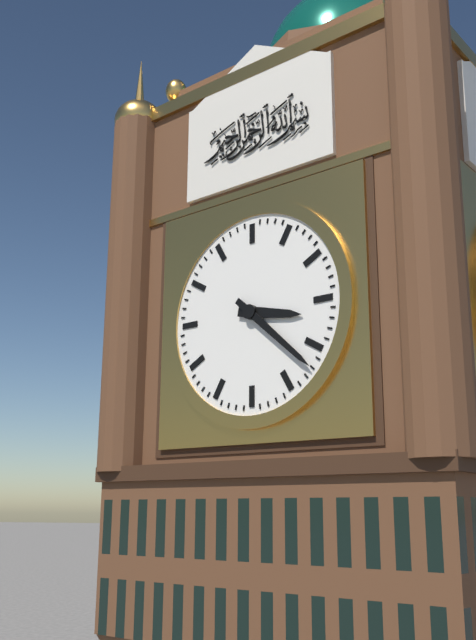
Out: 3h22
